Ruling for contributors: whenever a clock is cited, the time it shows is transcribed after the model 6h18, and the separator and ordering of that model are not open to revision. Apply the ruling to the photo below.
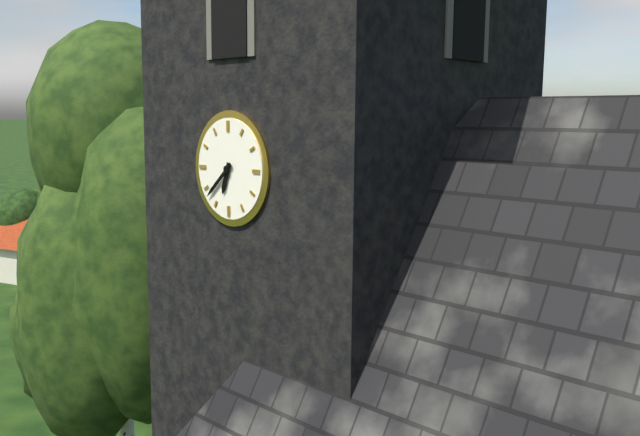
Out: 6h38
